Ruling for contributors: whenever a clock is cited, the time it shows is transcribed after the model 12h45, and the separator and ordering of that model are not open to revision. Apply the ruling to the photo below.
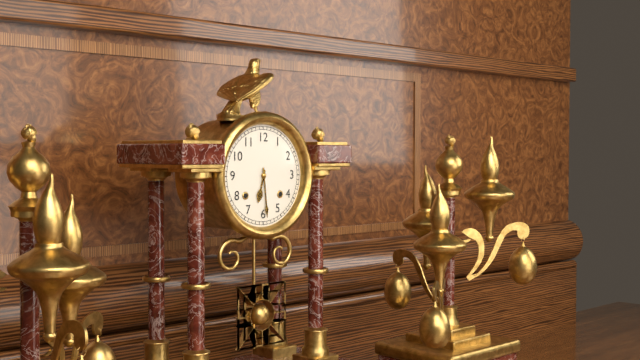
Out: 6h29
